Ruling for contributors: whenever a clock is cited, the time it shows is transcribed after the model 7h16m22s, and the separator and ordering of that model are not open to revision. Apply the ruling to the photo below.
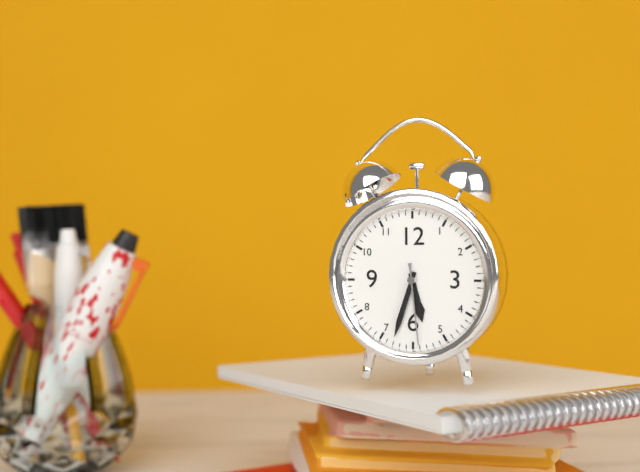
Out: 5h33m29s
